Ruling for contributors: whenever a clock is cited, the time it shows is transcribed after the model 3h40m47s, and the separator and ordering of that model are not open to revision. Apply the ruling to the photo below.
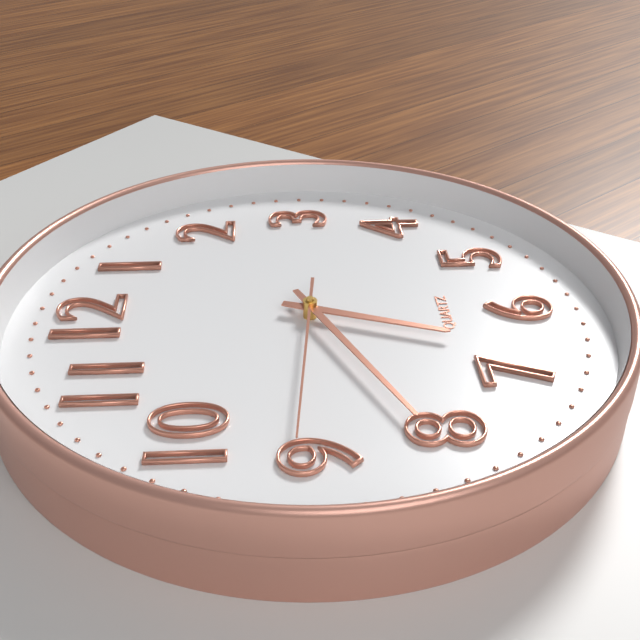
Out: 6h41m46s
